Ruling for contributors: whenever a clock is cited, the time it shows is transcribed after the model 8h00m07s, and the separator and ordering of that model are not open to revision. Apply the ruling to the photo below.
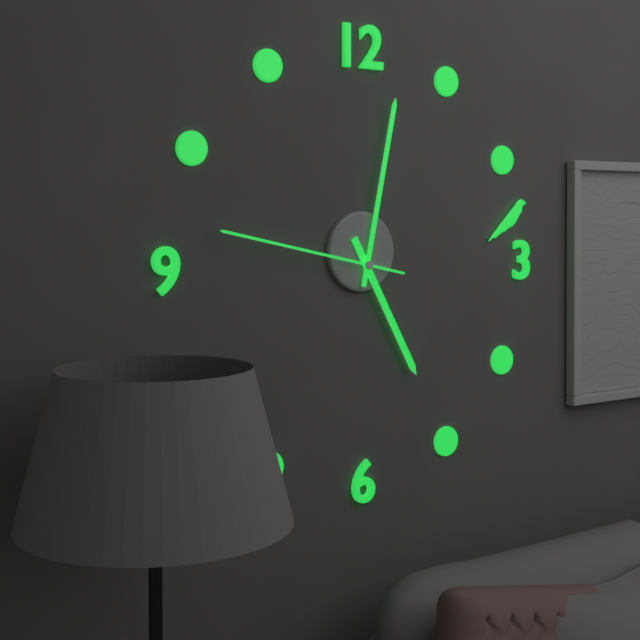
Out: 5h02m47s
